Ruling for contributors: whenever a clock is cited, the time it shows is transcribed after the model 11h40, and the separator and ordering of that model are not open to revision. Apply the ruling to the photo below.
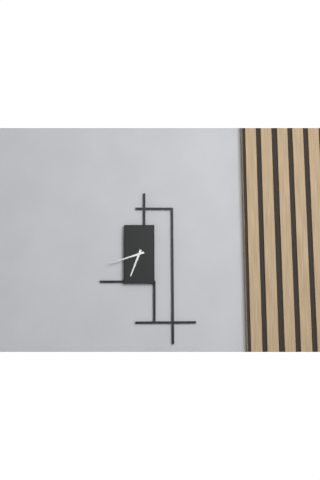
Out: 6h42
